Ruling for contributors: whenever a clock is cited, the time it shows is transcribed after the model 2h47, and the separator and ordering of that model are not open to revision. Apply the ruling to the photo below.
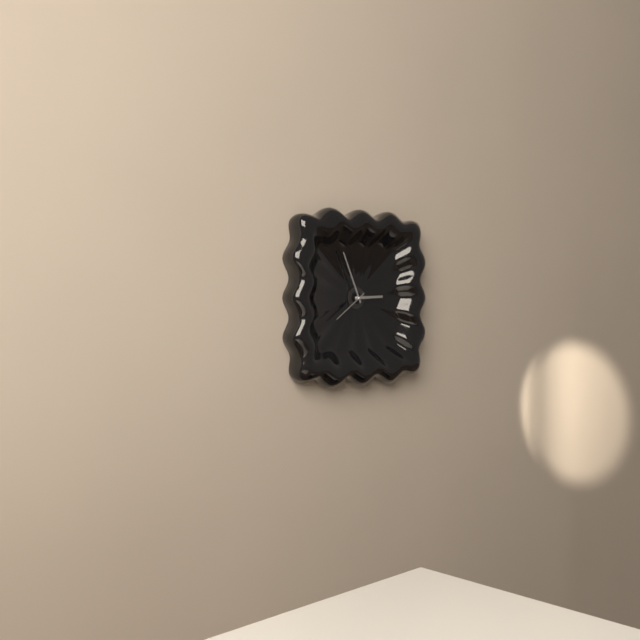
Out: 2h56
